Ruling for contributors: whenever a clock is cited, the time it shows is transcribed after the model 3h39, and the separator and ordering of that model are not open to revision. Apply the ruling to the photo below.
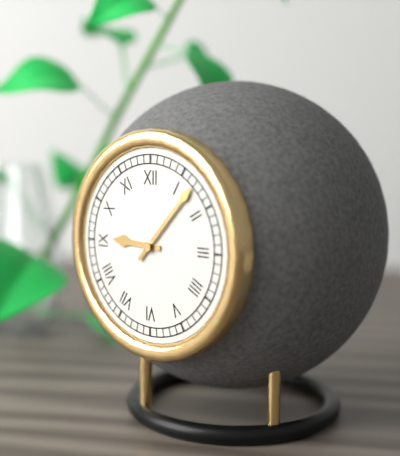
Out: 9h07
